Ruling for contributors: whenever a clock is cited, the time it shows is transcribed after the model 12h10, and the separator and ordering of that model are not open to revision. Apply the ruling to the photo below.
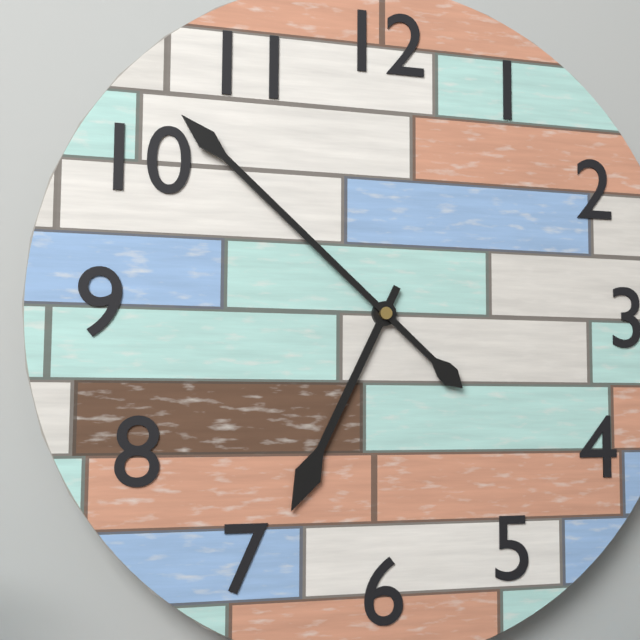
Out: 6h52
